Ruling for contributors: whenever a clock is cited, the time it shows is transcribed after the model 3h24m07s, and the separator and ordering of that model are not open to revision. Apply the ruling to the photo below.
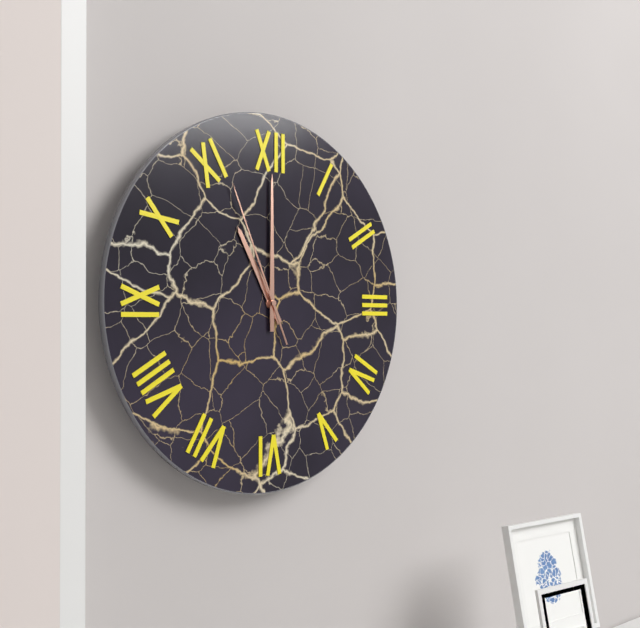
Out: 11h00m56s
